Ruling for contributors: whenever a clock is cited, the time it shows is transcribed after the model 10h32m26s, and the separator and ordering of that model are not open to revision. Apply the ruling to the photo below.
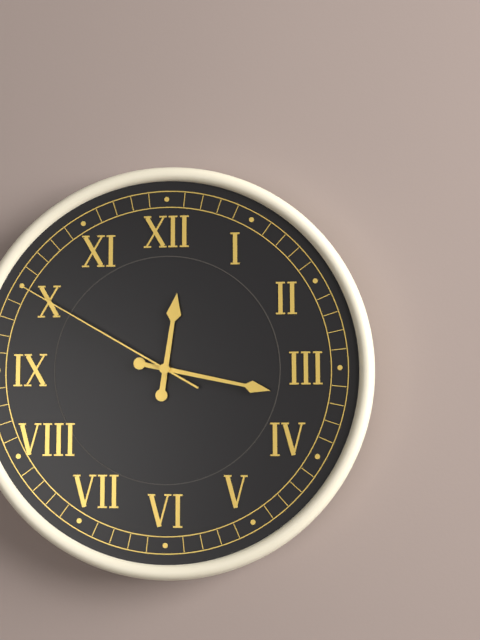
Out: 12h17m50s
